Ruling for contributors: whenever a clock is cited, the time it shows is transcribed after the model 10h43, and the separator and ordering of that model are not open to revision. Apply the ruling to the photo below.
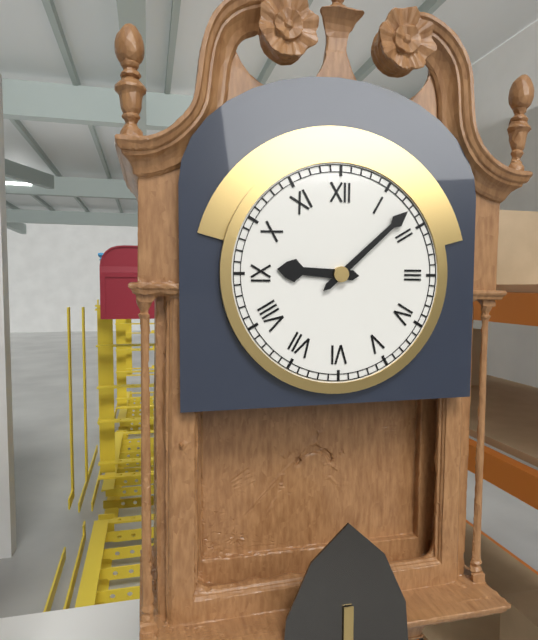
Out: 9h08
